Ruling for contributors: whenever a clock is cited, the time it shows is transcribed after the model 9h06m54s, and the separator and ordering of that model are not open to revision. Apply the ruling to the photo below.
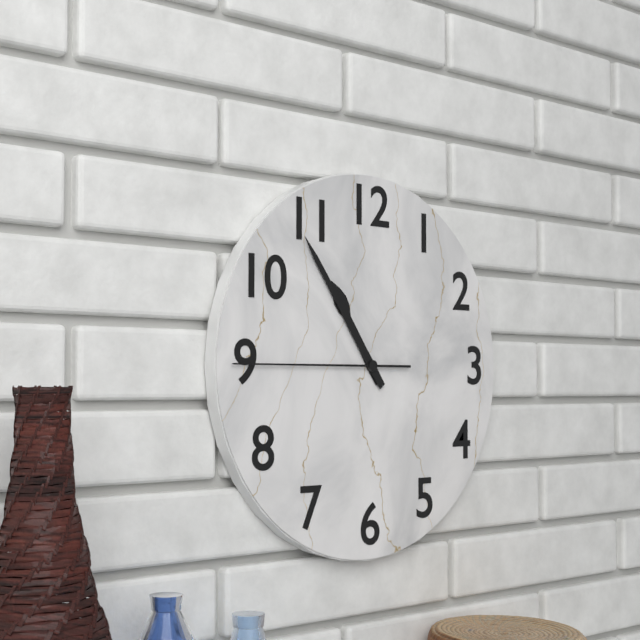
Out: 10h54m45s
